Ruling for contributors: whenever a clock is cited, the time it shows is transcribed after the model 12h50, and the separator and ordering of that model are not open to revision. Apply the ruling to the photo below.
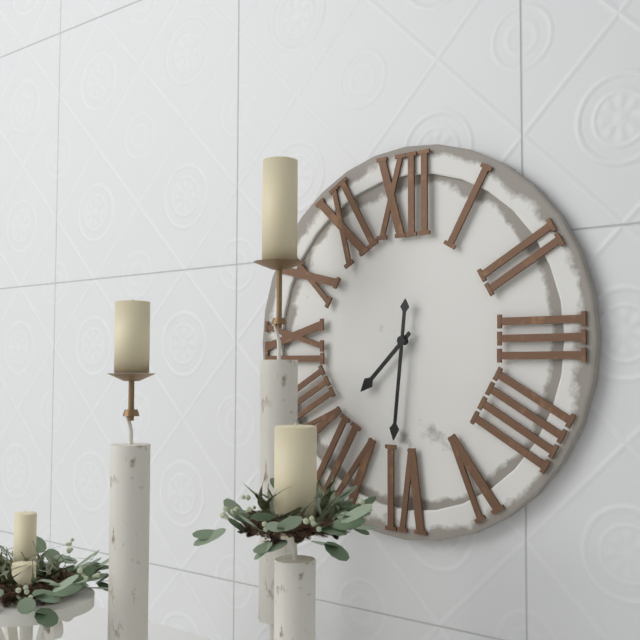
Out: 7h31
